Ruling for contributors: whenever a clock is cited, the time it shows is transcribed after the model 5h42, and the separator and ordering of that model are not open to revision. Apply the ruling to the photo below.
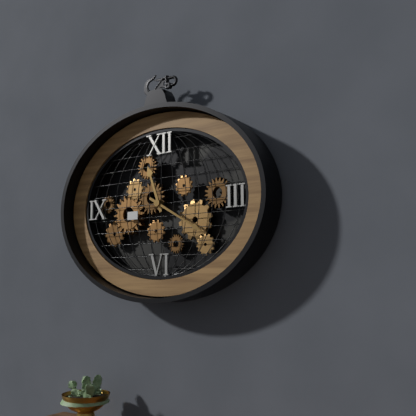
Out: 11h20
